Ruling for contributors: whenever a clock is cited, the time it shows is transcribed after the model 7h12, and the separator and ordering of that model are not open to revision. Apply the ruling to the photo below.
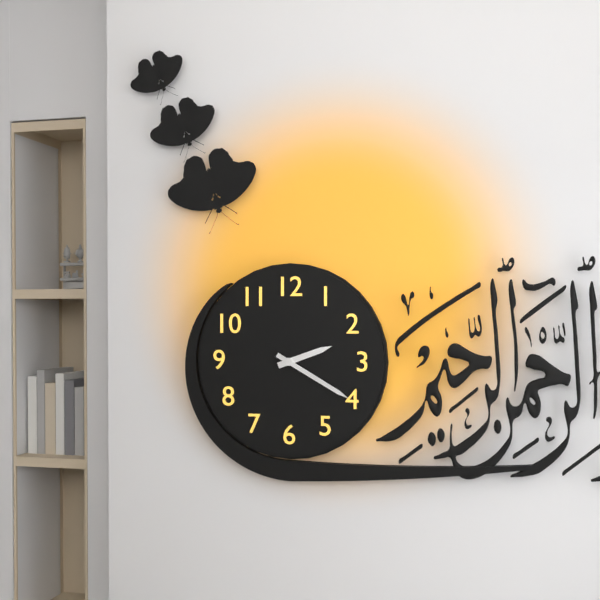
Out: 2h20
